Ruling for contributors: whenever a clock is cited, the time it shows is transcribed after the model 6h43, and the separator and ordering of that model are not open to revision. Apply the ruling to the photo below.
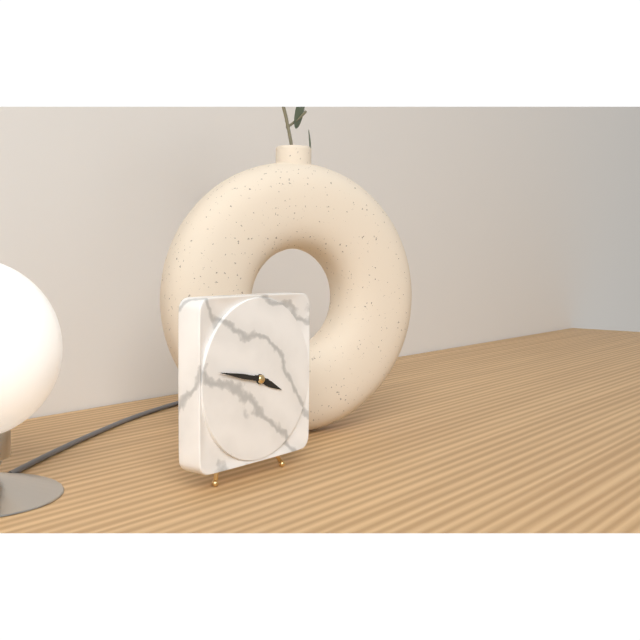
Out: 3h47
